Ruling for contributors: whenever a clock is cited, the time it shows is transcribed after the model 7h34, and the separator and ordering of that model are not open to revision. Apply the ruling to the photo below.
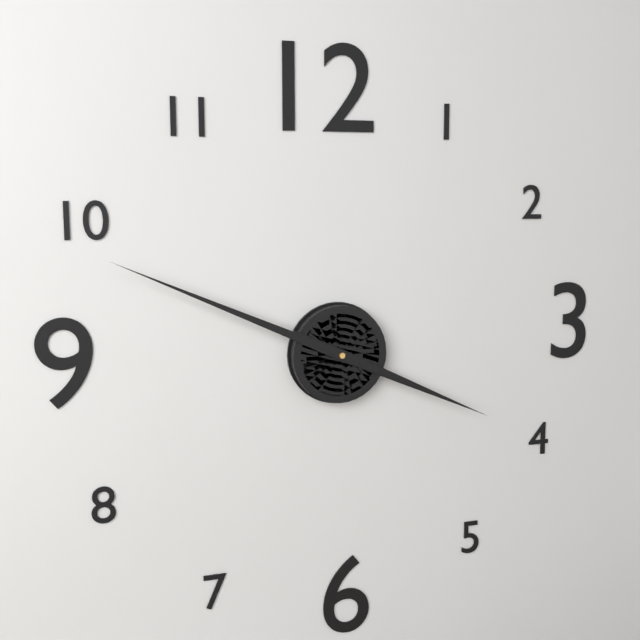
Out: 3h49
